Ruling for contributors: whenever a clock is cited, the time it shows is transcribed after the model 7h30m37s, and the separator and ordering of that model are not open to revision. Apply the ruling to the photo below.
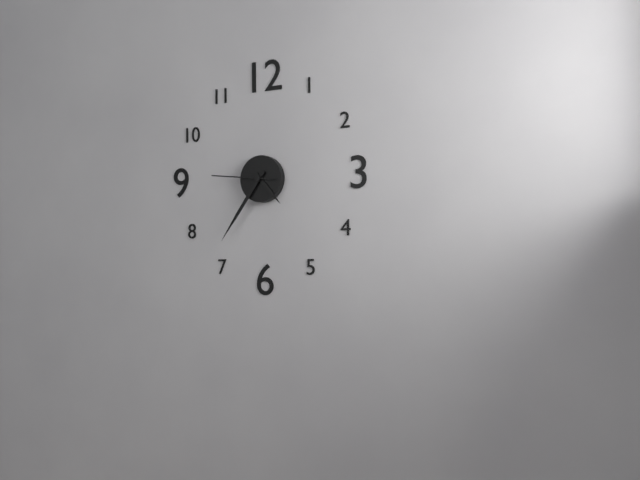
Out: 4h36m46s
